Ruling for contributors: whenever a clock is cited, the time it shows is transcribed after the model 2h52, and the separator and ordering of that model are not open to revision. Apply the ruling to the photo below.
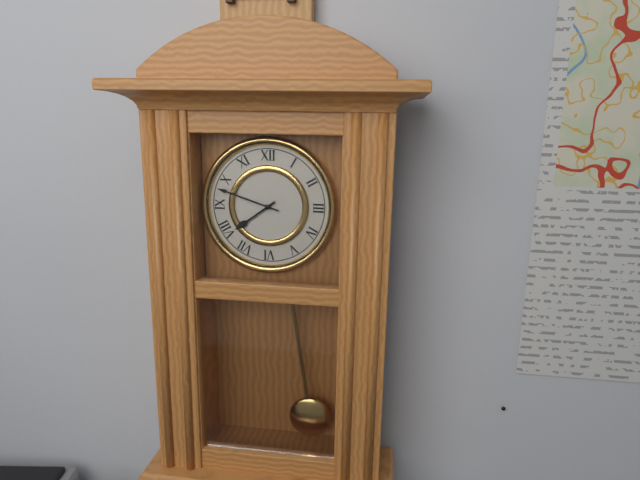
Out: 7h48
